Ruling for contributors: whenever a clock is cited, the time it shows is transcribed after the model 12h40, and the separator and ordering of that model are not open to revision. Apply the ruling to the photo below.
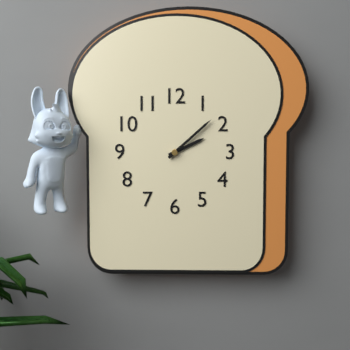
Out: 2h08
